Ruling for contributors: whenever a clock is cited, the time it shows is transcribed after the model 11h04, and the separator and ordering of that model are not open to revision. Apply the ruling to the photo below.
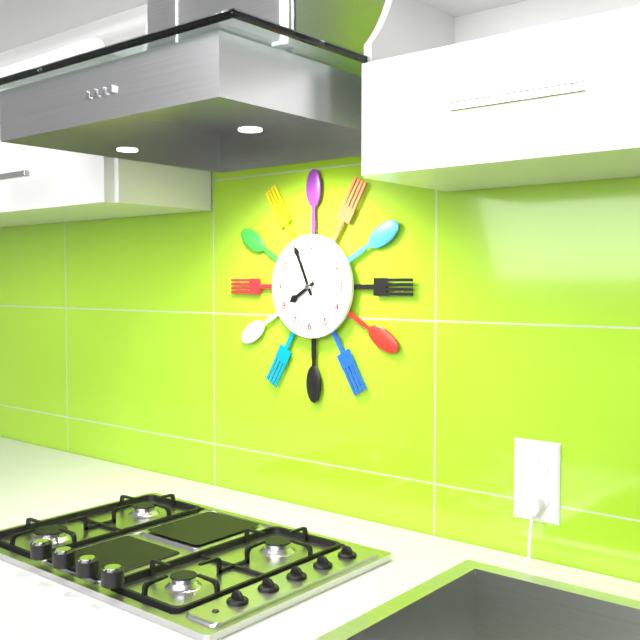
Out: 7h56
